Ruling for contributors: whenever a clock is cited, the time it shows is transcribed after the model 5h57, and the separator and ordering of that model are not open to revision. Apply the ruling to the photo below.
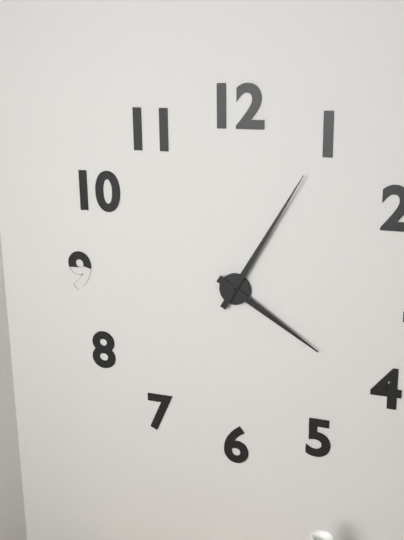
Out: 4h05
